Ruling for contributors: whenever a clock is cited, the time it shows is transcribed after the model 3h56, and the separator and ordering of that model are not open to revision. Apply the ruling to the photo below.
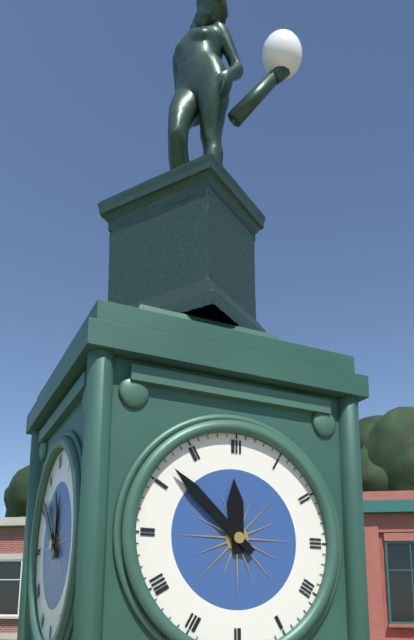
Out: 11h52
